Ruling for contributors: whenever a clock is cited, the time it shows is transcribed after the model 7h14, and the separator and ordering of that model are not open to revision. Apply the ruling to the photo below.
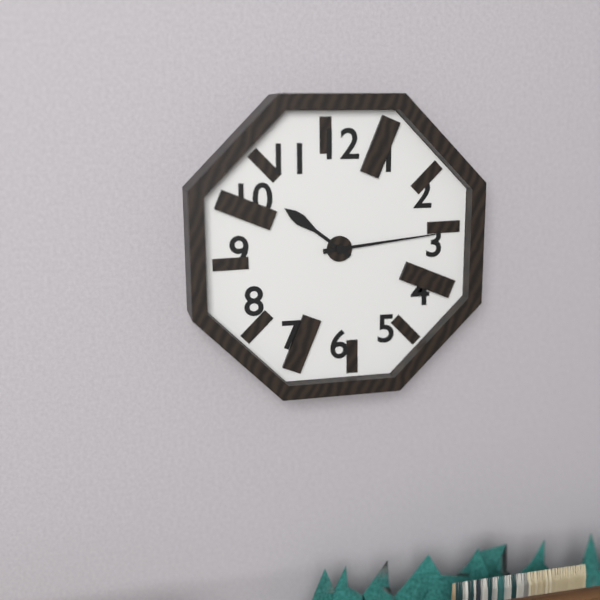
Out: 10h14
